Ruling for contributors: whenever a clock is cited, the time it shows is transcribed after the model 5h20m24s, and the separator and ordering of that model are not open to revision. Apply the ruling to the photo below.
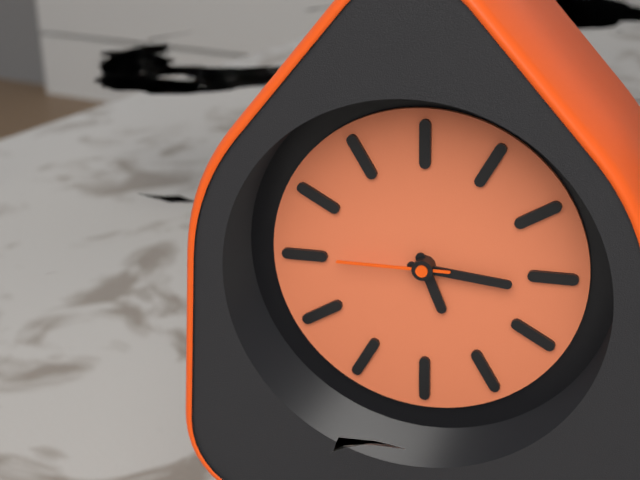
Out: 5h16m45s
